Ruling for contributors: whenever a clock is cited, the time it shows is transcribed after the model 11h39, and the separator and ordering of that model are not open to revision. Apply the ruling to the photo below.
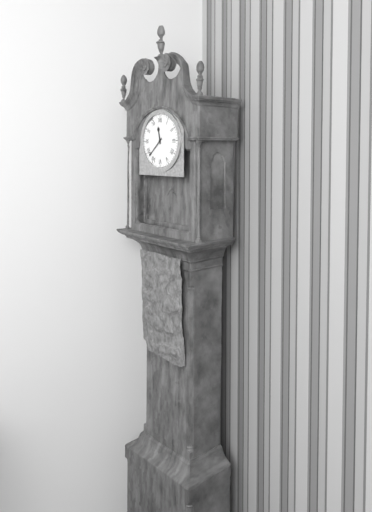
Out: 11h38
